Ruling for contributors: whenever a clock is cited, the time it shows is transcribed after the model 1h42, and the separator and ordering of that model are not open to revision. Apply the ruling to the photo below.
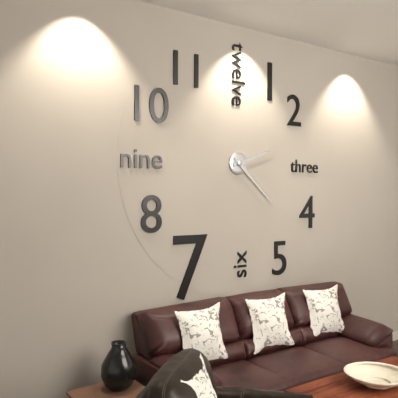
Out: 2h22
